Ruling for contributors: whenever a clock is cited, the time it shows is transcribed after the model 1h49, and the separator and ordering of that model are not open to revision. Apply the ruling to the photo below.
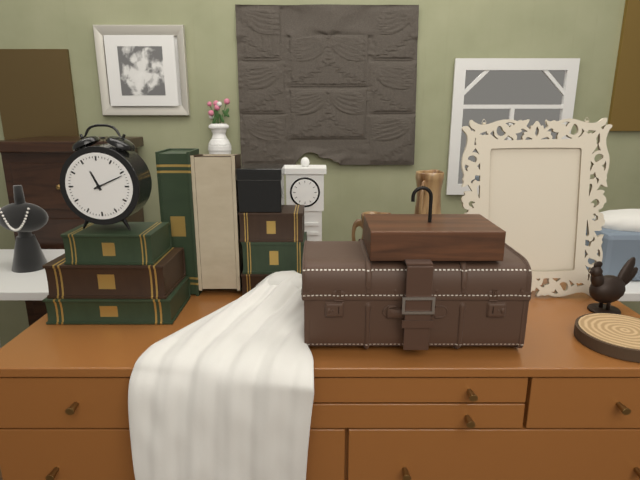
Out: 11h11
